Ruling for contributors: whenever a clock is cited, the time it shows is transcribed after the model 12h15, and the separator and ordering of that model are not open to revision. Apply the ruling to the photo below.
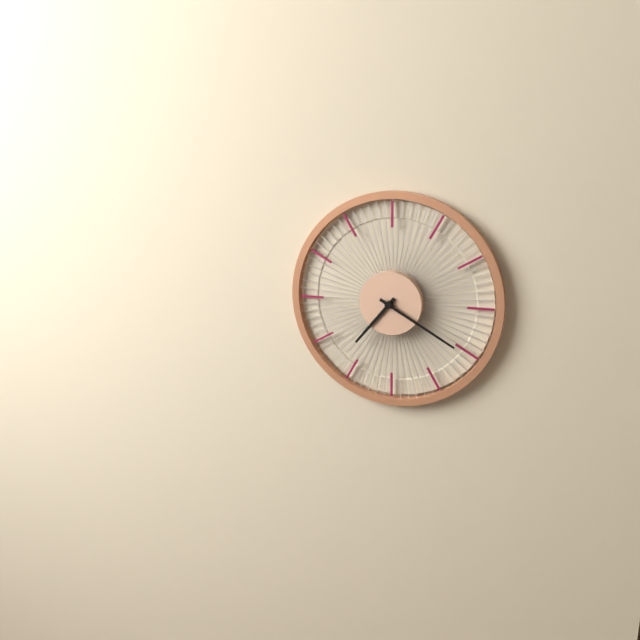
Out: 7h20
